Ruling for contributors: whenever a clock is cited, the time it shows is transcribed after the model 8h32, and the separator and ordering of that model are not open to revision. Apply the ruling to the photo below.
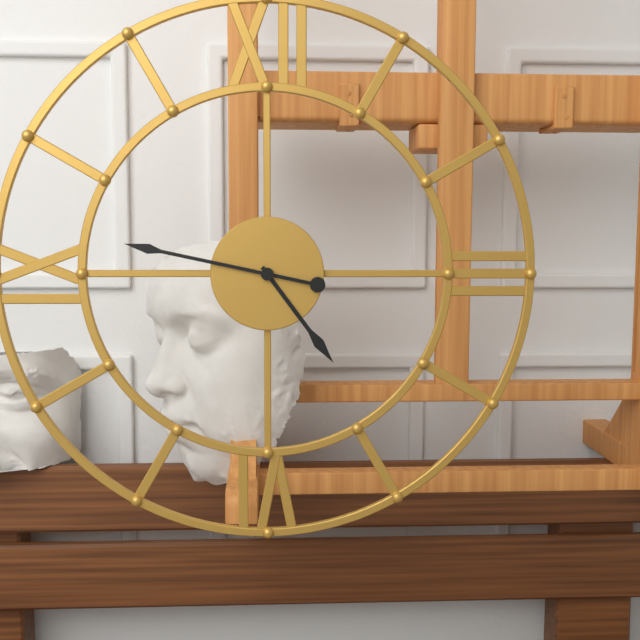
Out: 4h47
